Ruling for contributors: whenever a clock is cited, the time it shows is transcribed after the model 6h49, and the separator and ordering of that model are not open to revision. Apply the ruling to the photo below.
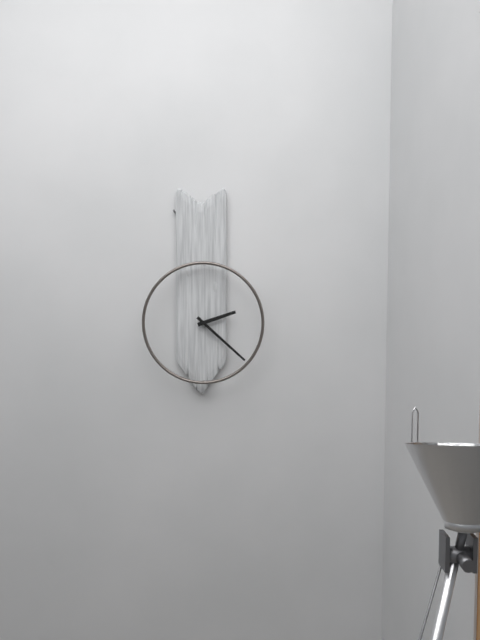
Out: 2h22
